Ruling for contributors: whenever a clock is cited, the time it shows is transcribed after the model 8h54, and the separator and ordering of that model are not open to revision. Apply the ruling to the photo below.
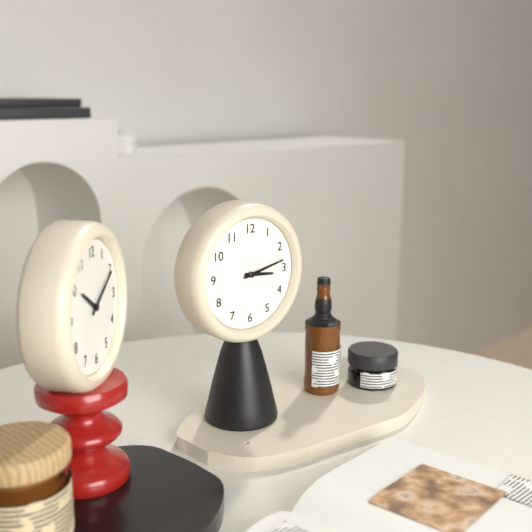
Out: 3h13
